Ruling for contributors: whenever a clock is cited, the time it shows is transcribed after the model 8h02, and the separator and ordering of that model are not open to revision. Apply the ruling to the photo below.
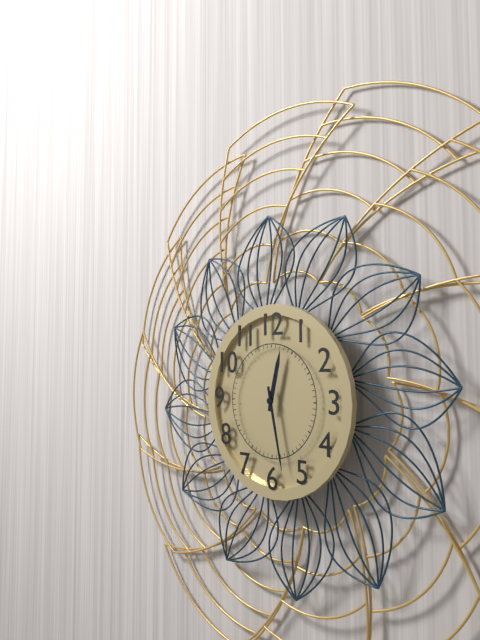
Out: 12h28
